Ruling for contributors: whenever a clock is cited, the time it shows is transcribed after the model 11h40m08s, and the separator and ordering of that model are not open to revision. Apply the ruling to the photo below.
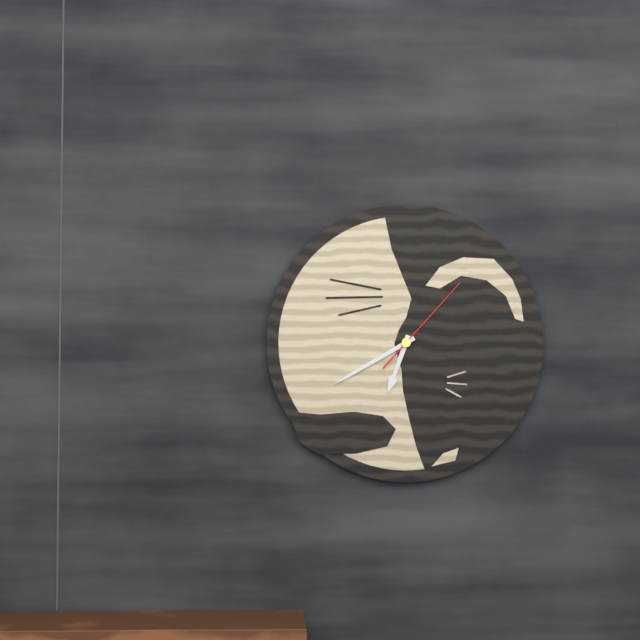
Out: 6h40m07s
